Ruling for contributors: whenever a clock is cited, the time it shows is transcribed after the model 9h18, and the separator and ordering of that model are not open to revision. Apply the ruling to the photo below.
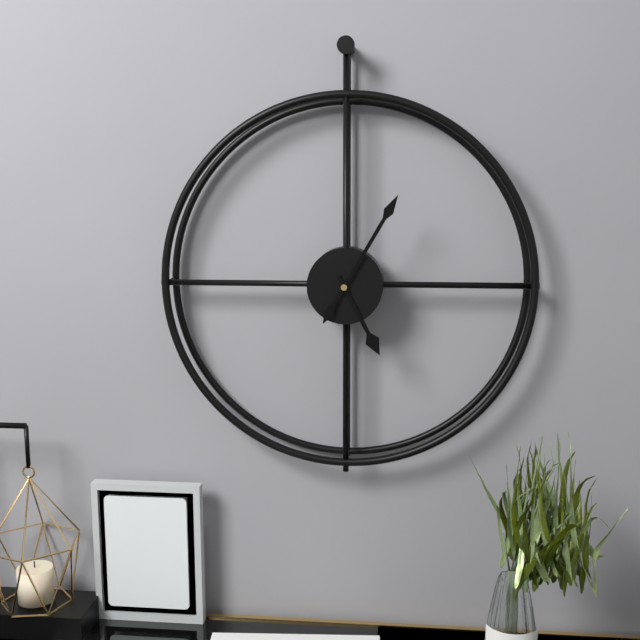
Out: 5h05
